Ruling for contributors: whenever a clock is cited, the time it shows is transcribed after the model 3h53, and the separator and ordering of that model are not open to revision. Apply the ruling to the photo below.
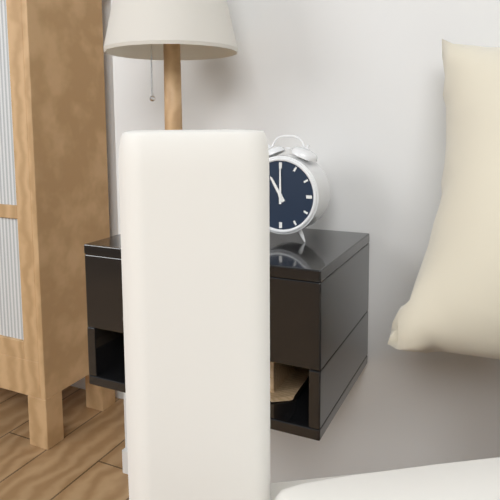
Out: 11h00
